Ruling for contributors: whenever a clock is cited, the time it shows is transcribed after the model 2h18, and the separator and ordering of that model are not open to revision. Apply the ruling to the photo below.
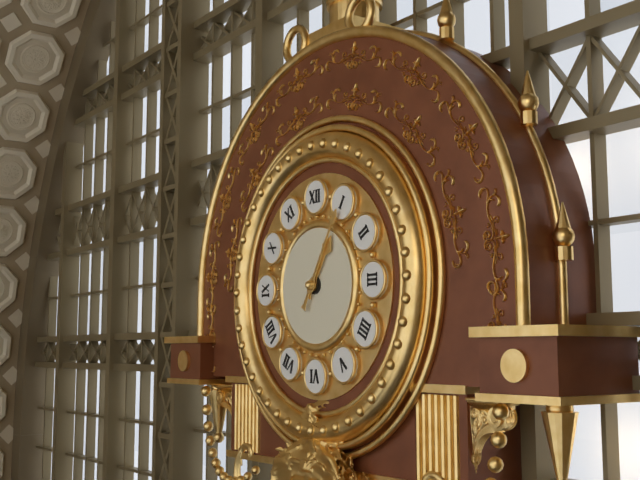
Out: 1h05
